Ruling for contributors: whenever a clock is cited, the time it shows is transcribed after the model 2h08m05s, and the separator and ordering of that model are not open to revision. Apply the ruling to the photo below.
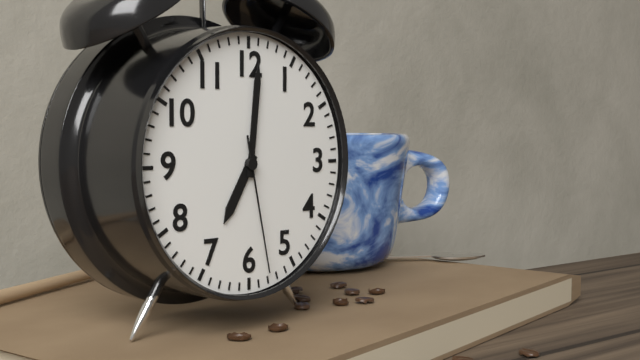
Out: 7h01m28s
